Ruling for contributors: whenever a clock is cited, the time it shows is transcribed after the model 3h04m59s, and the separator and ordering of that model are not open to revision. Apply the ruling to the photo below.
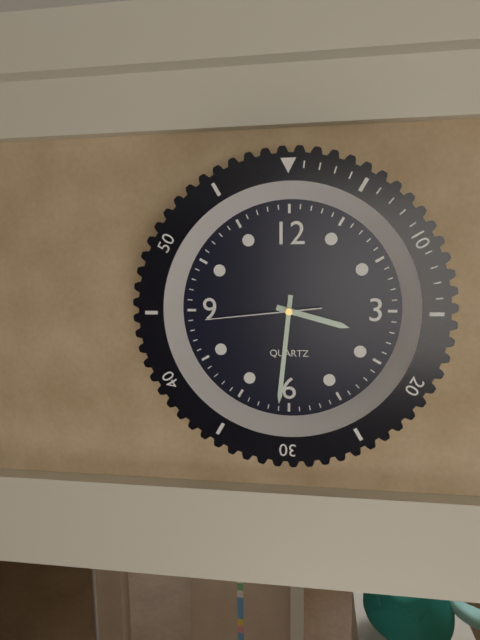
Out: 3h31m44s
